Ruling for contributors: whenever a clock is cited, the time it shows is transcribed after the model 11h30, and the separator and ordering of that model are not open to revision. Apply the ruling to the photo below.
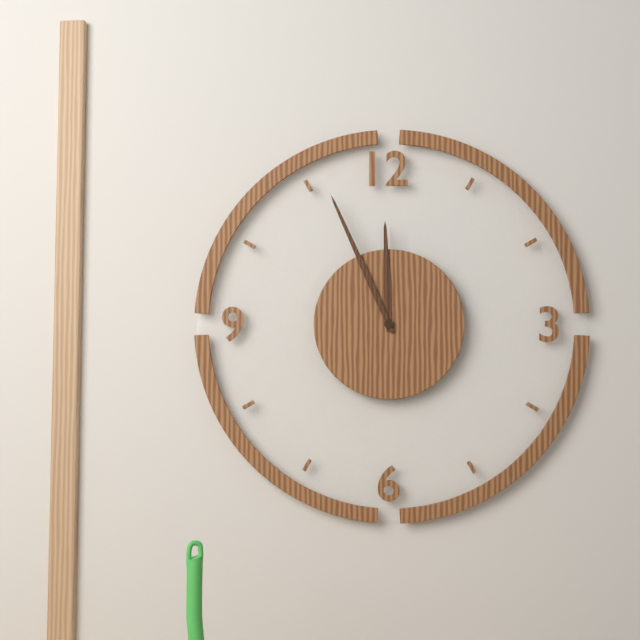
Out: 11h56
